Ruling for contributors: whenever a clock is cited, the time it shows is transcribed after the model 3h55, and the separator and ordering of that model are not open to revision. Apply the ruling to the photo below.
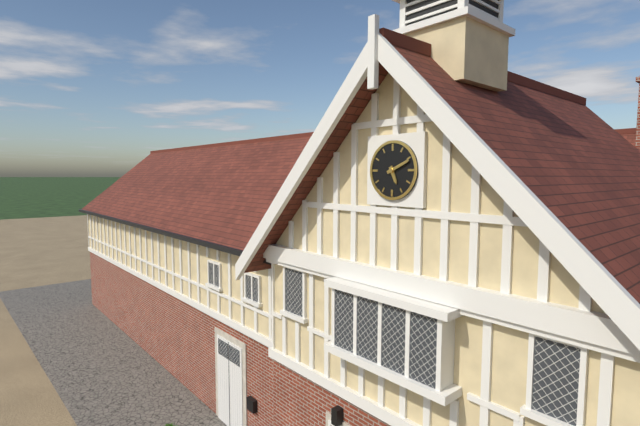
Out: 5h11
